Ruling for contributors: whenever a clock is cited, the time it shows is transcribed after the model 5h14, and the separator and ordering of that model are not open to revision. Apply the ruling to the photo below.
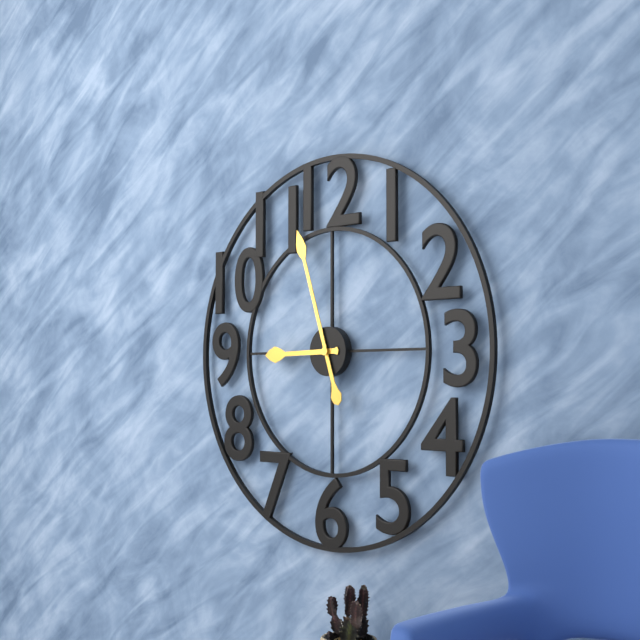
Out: 8h57
